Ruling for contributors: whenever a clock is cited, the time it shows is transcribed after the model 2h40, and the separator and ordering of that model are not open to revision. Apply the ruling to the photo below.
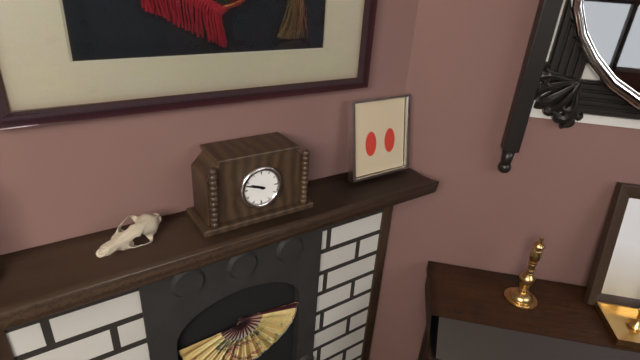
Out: 9h48
